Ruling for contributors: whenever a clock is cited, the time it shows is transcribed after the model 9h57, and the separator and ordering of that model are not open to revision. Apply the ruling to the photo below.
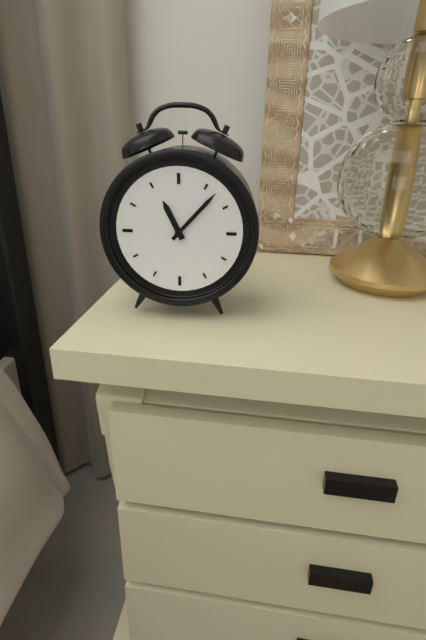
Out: 11h07
